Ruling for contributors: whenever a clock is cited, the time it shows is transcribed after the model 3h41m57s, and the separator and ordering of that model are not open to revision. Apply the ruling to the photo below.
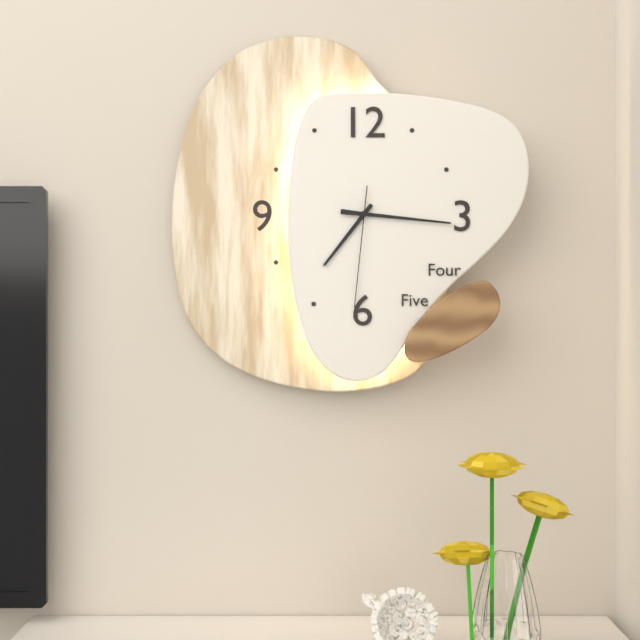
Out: 7h16m31s
